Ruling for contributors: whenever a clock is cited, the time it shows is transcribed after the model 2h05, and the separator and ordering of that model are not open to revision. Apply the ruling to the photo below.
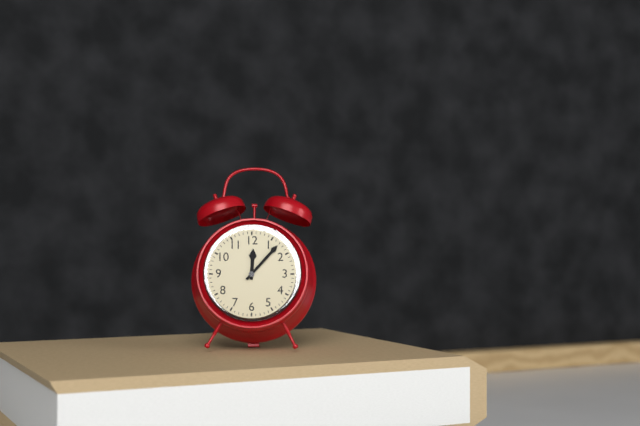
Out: 12h07
